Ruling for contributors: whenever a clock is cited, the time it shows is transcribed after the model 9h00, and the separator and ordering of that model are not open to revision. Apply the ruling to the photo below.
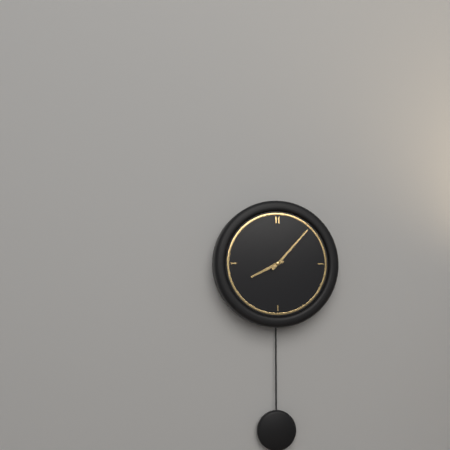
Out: 8h07
